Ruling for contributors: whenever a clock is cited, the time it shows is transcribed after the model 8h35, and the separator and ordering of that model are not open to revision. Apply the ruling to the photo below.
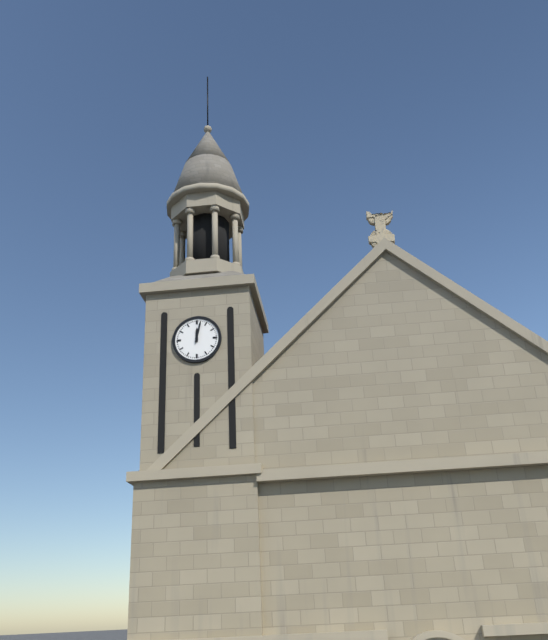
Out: 12h02
